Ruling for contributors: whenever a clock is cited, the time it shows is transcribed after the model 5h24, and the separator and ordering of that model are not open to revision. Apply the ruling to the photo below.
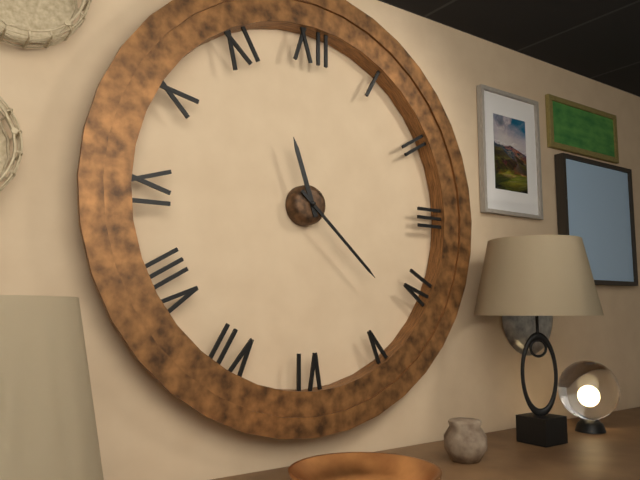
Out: 11h22
